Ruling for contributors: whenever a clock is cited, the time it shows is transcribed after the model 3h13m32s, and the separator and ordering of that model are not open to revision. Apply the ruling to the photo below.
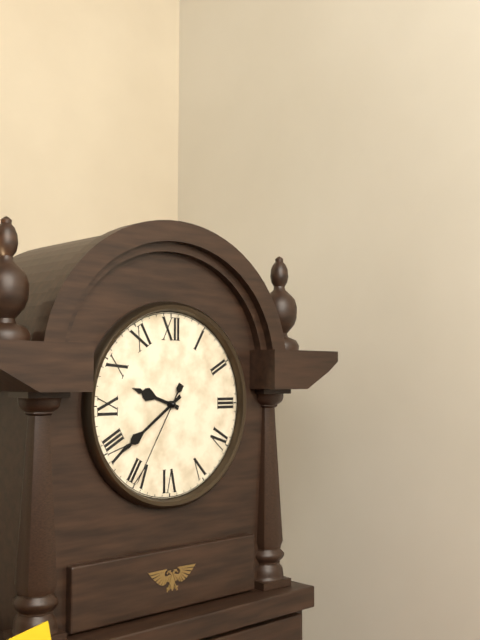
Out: 9h39m35s
